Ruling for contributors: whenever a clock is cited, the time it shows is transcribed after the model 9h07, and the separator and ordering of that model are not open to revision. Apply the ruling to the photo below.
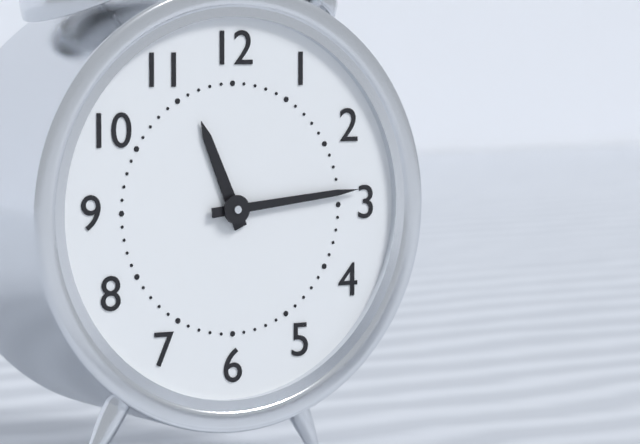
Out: 11h14
